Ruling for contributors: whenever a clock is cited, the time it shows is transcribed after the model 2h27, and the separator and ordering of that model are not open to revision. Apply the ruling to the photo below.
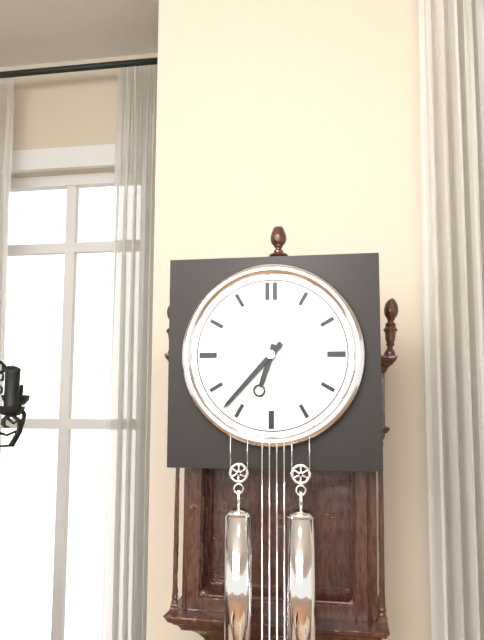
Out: 6h37
